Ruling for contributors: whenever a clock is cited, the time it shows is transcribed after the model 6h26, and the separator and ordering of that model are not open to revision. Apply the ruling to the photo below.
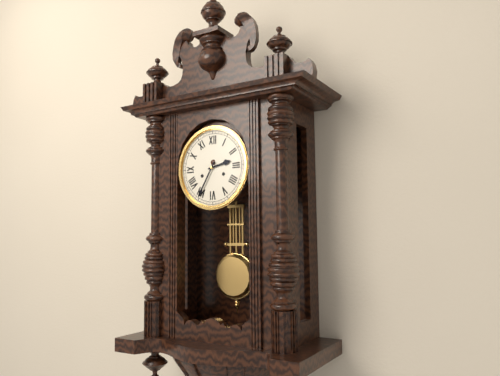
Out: 2h35
